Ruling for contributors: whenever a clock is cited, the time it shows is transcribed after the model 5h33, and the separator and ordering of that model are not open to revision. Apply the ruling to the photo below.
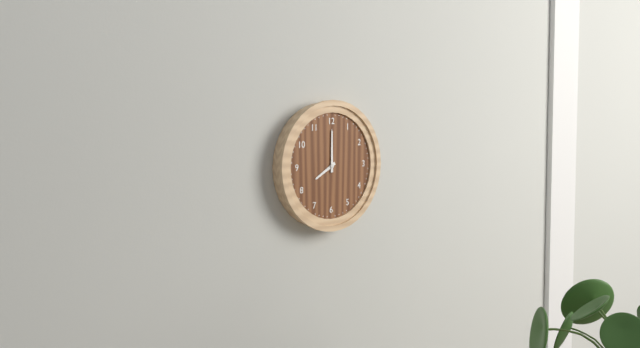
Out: 8h00
